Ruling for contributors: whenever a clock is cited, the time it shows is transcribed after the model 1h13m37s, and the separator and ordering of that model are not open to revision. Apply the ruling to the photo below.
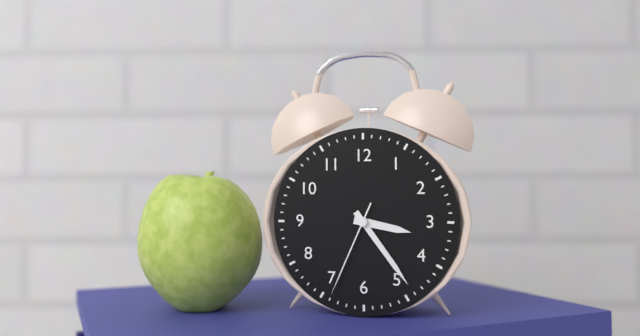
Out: 3h24m34s
